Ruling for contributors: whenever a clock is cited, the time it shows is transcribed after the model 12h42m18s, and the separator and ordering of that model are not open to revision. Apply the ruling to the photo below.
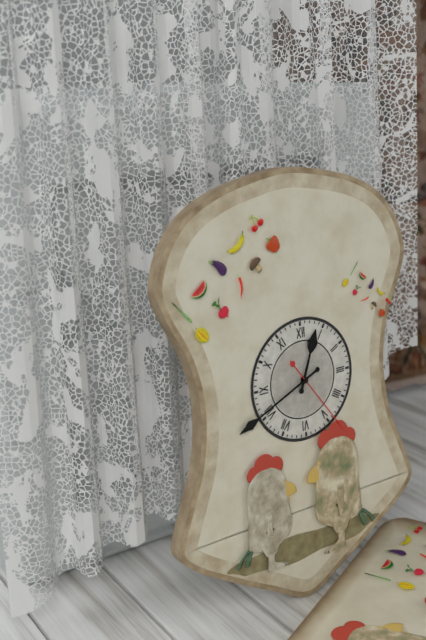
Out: 12h41m24s
